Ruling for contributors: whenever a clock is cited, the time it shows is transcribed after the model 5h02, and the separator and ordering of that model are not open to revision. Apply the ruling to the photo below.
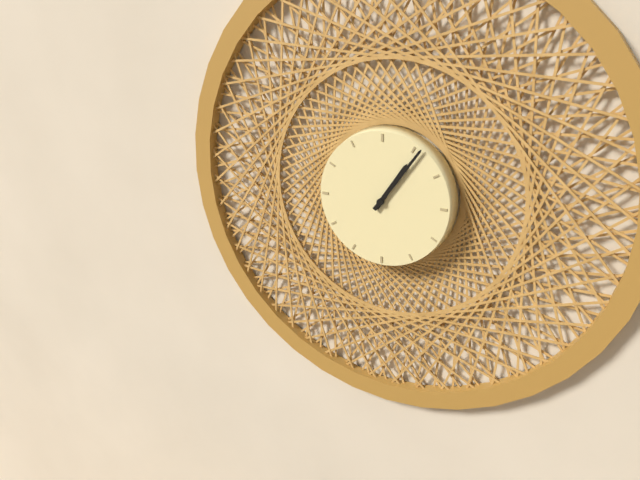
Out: 1h06
